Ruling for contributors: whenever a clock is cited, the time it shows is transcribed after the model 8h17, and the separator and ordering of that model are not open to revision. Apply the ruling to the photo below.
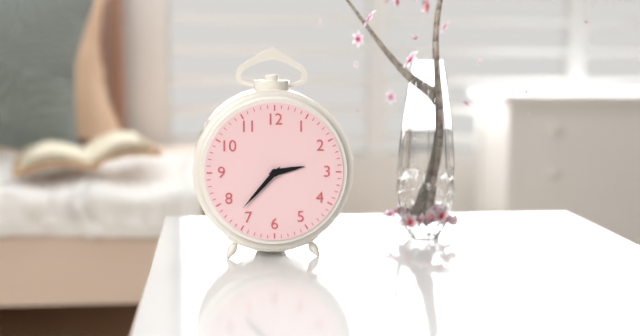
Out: 2h37
